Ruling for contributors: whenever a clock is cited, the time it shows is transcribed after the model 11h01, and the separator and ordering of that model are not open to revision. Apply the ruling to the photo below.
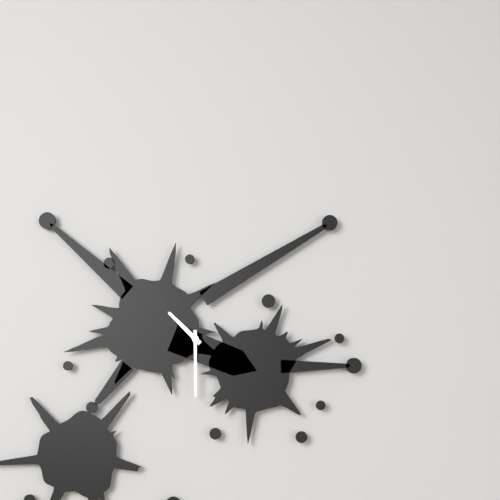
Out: 10h30
